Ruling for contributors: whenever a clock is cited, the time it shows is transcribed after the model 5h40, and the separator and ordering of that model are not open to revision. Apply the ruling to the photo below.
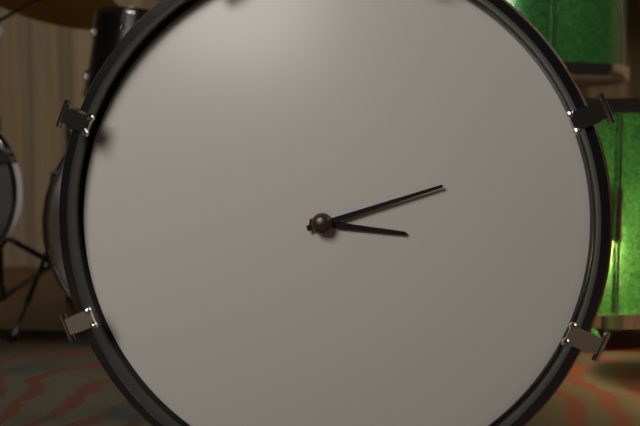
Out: 3h12
